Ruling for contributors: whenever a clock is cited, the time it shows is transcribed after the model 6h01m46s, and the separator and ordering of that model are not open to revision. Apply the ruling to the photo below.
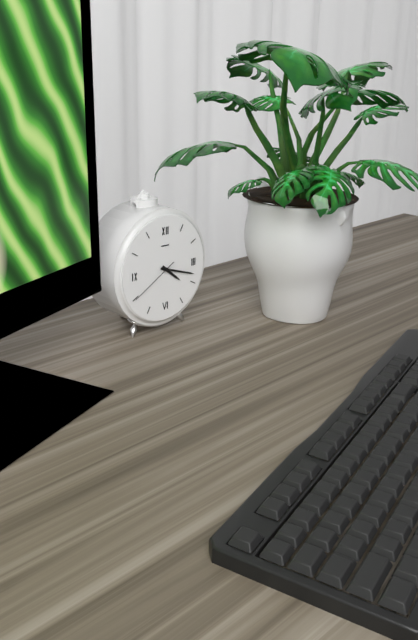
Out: 4h18m40s
